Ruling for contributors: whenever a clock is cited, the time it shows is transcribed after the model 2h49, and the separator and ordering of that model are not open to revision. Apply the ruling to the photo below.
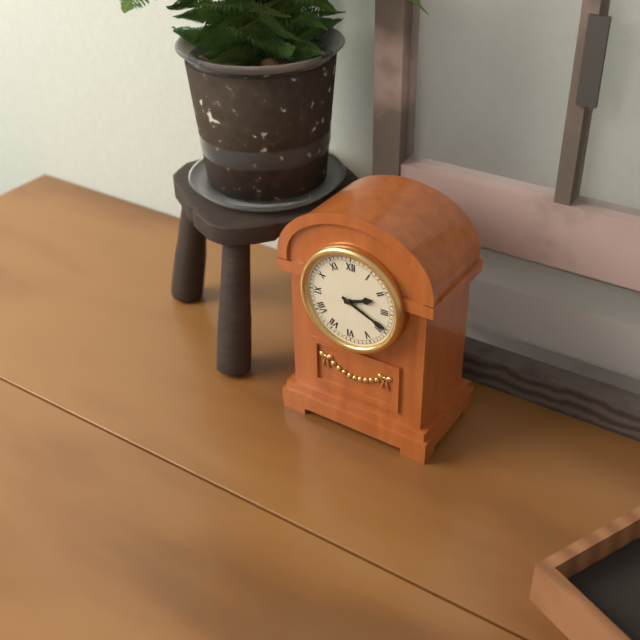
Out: 2h19
